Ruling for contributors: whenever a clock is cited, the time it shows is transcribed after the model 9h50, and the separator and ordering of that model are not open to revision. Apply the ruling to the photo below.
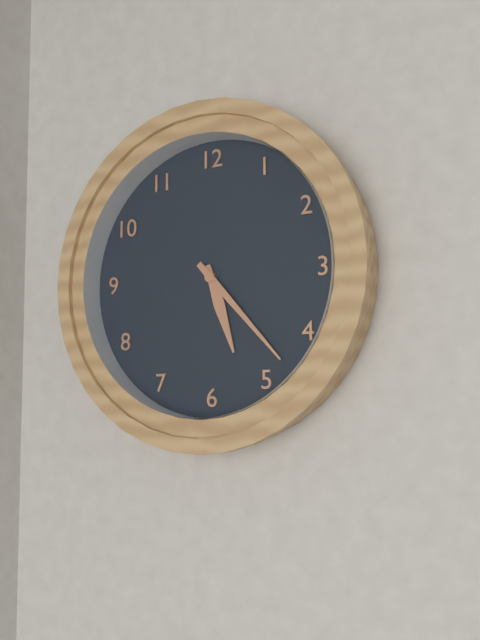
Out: 5h23
